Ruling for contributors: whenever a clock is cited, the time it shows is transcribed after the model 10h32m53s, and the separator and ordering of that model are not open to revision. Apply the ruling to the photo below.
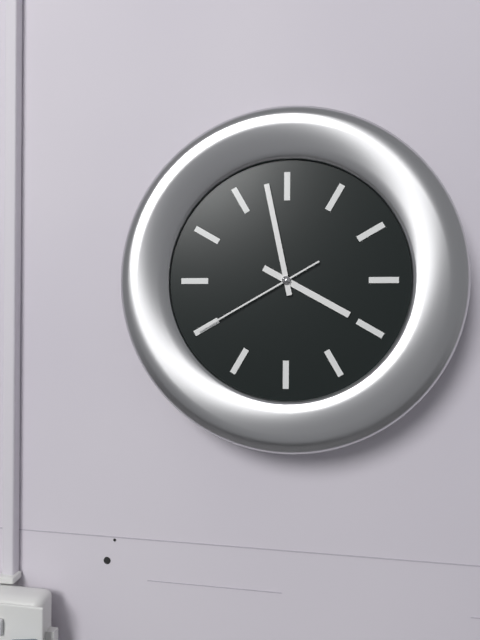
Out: 3h58m40s
